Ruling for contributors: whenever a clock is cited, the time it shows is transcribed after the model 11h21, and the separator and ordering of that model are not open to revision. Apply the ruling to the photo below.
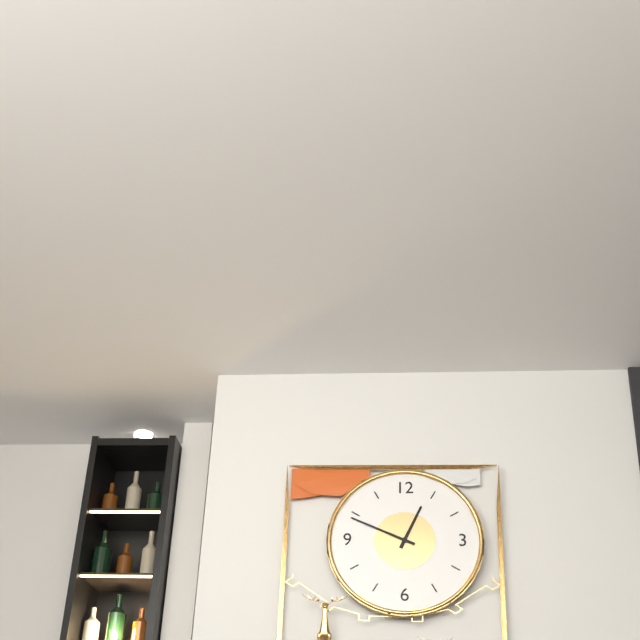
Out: 12h49
